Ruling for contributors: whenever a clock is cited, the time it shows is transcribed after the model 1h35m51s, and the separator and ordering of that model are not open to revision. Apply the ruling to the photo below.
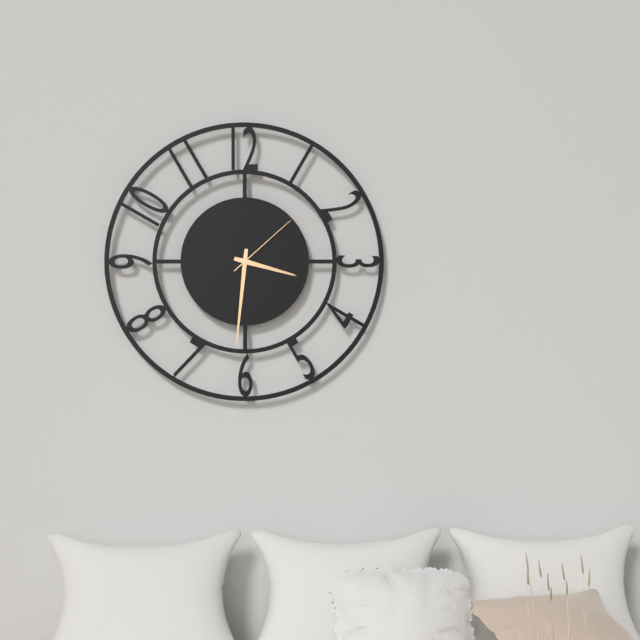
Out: 3h31m08s
